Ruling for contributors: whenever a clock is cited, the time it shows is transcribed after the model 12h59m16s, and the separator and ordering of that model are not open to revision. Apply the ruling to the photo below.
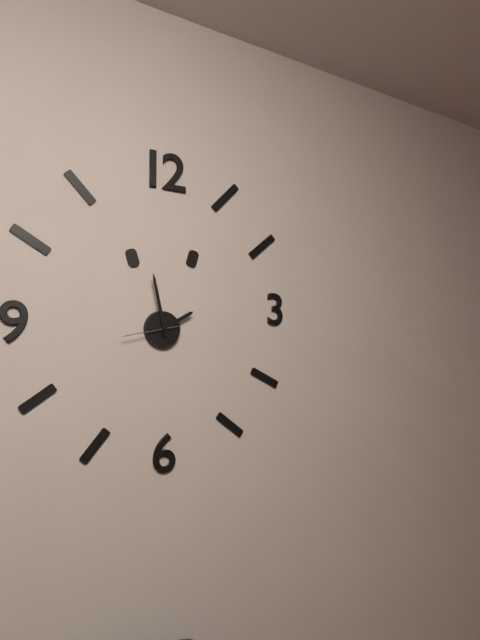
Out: 1h58m43s
